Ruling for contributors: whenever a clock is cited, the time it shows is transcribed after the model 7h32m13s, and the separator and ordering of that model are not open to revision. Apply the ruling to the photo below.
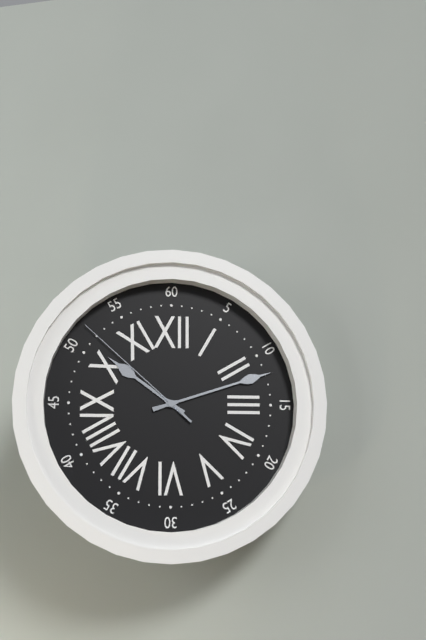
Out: 10h12m52s
